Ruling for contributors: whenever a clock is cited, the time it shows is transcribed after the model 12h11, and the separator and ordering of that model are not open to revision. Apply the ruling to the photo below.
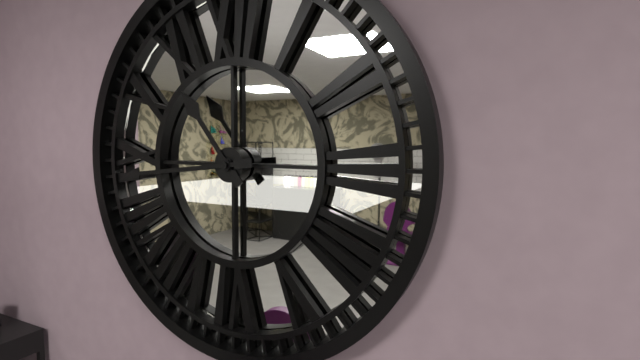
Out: 10h44
